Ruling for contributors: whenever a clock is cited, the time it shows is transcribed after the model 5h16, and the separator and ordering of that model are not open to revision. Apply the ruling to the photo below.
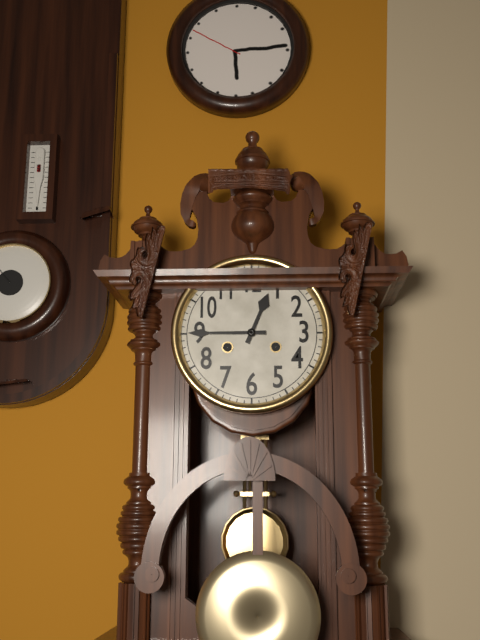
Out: 12h45
